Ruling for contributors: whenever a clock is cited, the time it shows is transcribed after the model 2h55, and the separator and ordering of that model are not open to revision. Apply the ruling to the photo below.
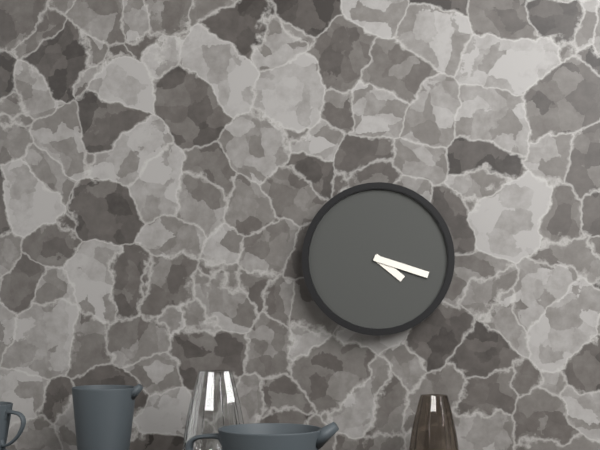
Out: 4h18
